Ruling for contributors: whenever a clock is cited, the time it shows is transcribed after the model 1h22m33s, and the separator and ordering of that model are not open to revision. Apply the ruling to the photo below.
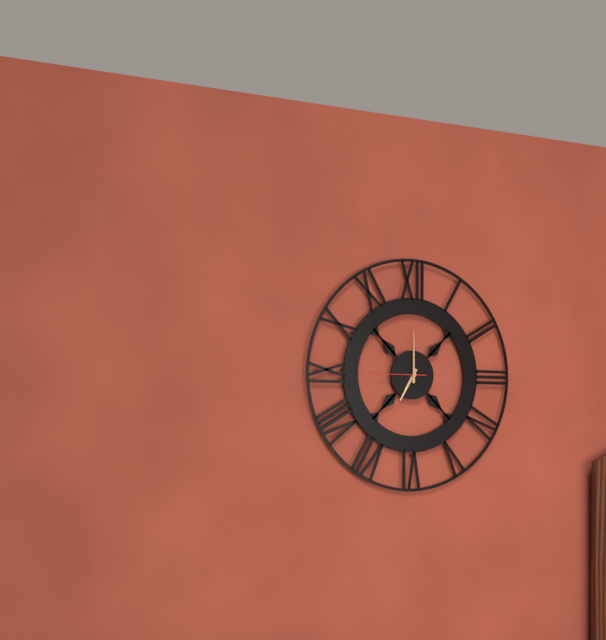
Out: 7h00m45s
